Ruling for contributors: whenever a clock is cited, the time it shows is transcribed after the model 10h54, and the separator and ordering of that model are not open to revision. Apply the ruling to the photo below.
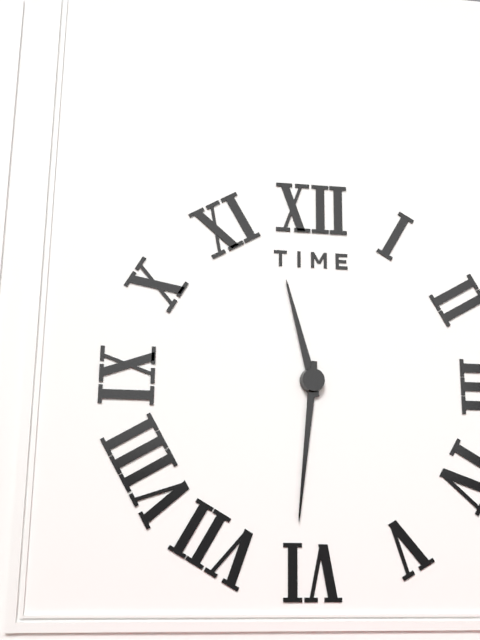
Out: 11h31
